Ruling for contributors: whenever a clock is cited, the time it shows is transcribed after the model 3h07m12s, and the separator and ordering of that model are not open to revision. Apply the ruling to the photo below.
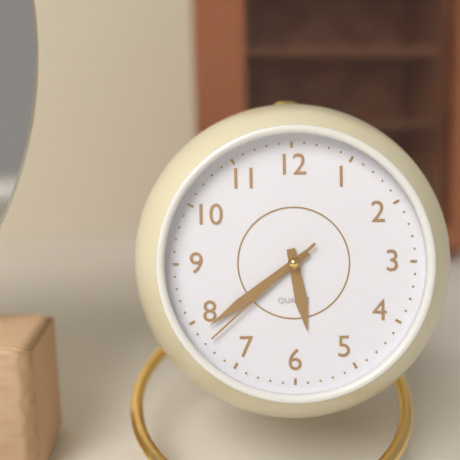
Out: 5h39m38s
